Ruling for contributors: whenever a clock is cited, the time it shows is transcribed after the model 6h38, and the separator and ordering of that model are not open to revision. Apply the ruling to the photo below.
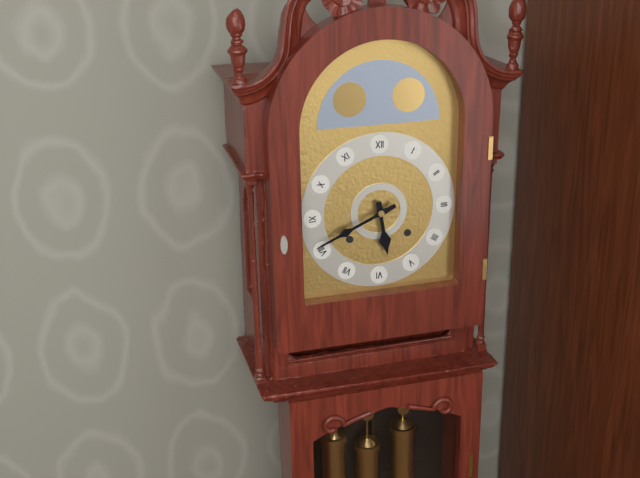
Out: 5h41
